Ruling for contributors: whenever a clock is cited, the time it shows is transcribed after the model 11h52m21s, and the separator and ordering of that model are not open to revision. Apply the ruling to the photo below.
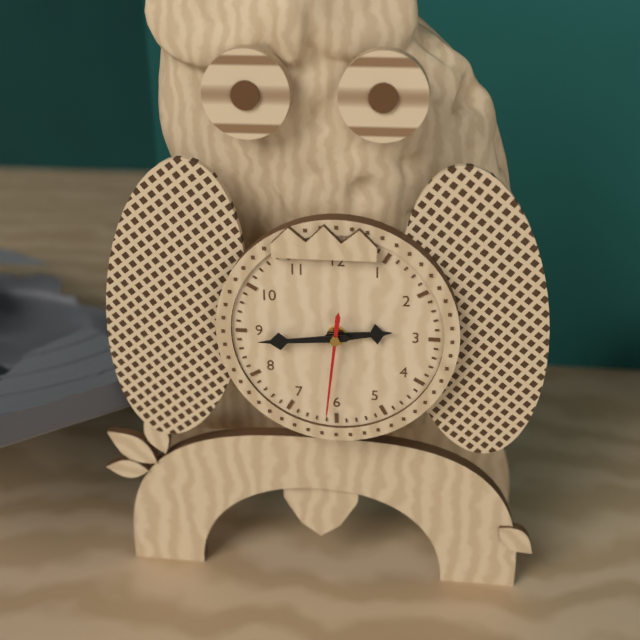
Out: 2h44m31s
